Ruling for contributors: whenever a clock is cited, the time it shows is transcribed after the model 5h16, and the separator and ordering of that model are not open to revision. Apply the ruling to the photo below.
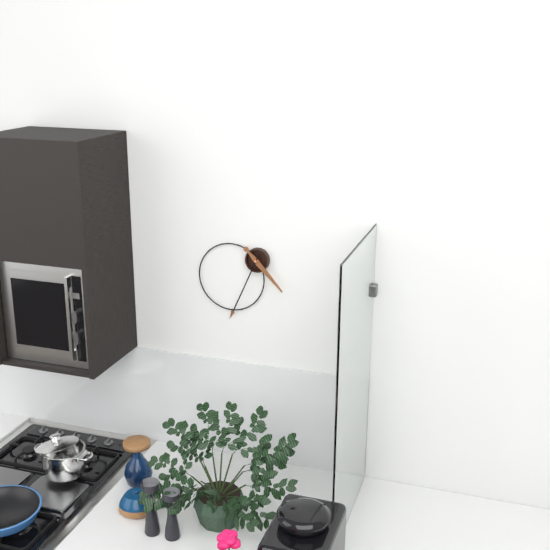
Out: 4h34
